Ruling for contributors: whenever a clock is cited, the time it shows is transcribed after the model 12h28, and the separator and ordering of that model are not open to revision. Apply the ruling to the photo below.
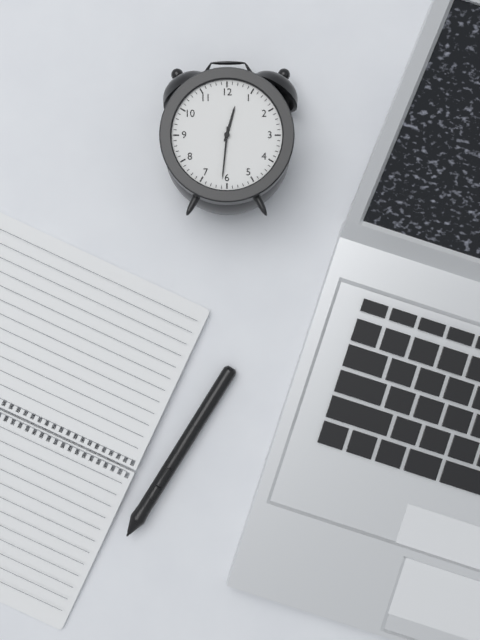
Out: 12h31
